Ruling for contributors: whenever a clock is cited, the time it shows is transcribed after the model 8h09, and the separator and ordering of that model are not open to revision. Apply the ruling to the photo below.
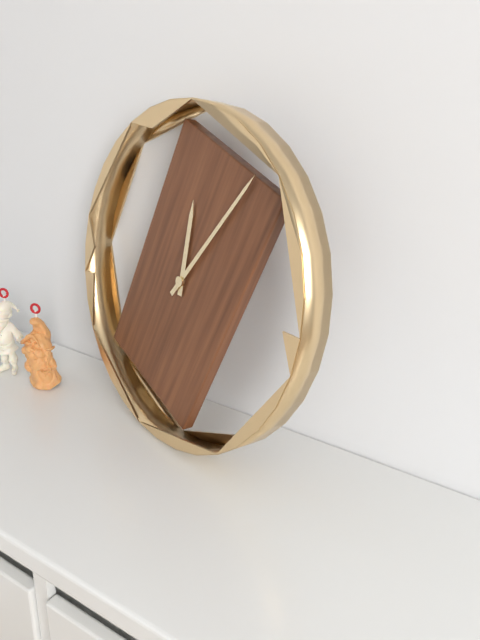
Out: 12h06
